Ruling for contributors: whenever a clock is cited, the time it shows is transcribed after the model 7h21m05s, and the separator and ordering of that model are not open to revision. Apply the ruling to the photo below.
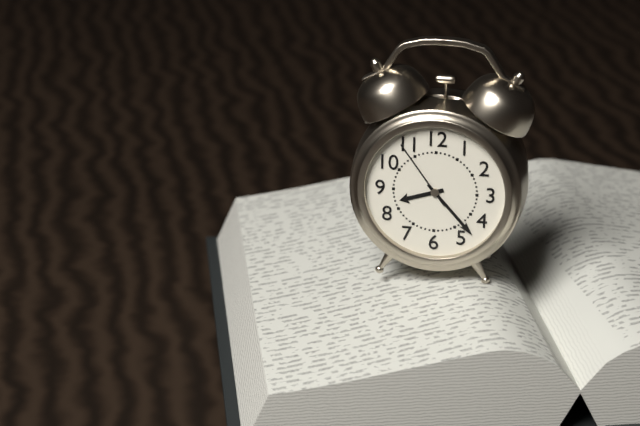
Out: 8h23m54s
